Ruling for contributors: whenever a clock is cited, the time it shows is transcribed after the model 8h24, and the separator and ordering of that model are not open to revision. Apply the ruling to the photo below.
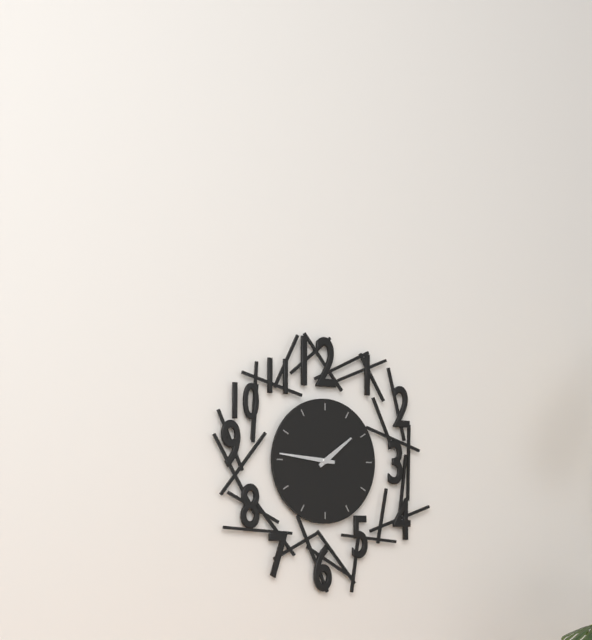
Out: 1h46
